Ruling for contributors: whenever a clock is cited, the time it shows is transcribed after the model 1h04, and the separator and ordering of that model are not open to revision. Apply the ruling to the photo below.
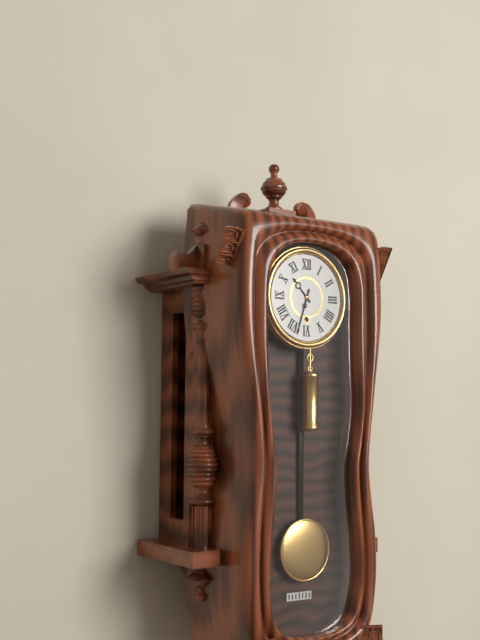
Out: 10h33
